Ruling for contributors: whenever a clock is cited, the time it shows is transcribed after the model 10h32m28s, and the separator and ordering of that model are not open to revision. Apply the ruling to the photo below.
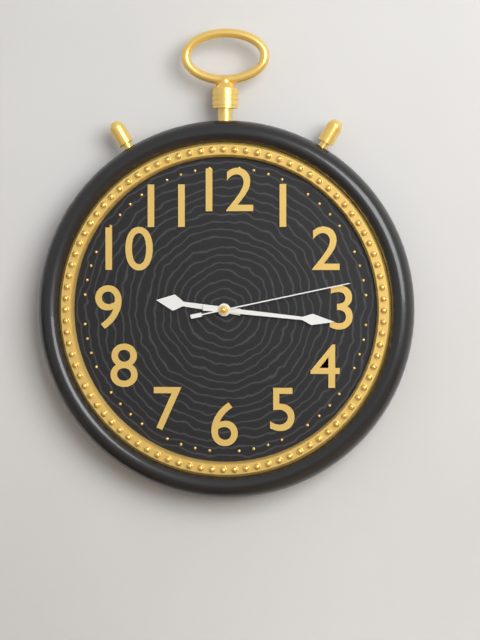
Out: 9h16m13s
